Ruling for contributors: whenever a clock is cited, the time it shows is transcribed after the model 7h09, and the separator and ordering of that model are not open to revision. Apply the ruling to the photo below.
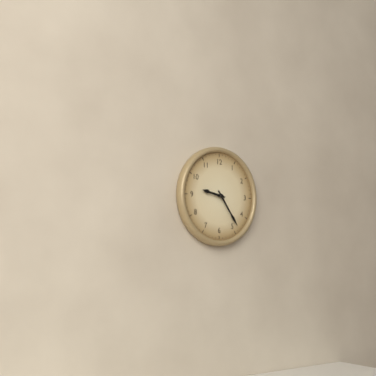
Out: 9h24
